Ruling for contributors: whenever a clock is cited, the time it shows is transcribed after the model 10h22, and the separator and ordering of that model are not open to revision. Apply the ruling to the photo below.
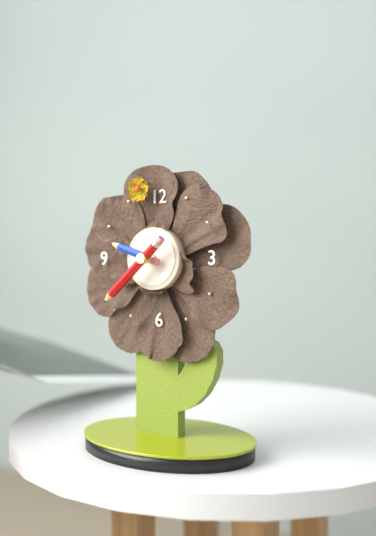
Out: 9h38
